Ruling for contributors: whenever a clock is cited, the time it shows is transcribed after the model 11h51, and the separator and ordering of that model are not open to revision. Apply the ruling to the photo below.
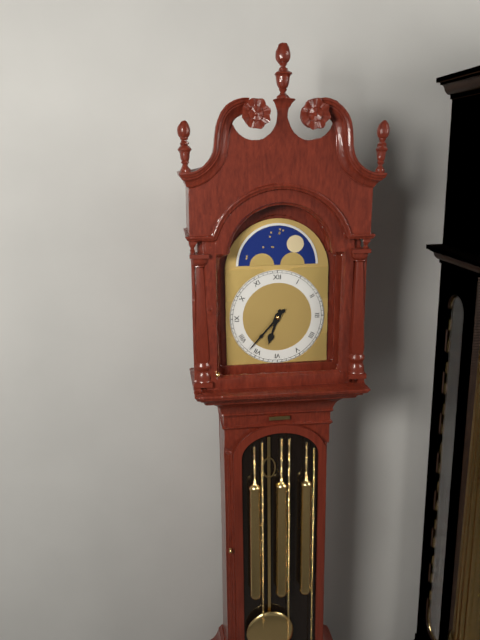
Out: 6h37
